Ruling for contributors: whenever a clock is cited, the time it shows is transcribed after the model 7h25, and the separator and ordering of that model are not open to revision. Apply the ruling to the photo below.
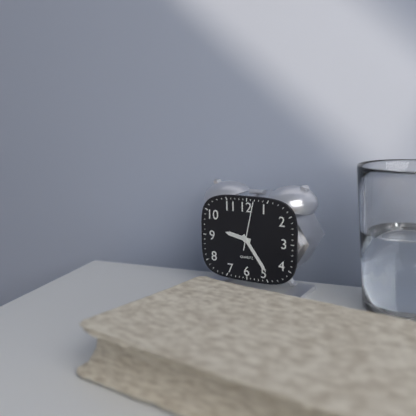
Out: 9h24
